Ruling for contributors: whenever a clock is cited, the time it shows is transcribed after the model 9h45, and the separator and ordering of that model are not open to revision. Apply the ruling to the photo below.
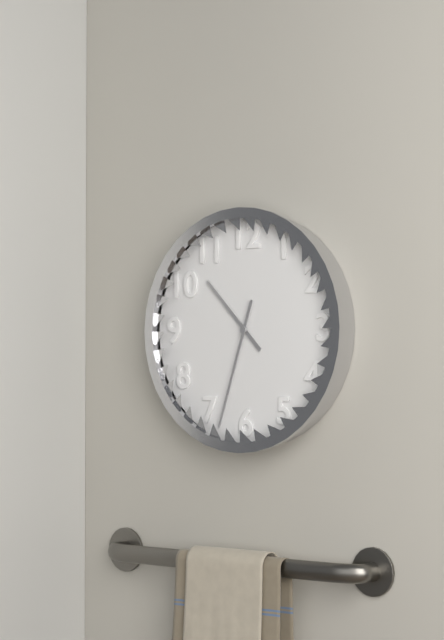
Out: 10h33
